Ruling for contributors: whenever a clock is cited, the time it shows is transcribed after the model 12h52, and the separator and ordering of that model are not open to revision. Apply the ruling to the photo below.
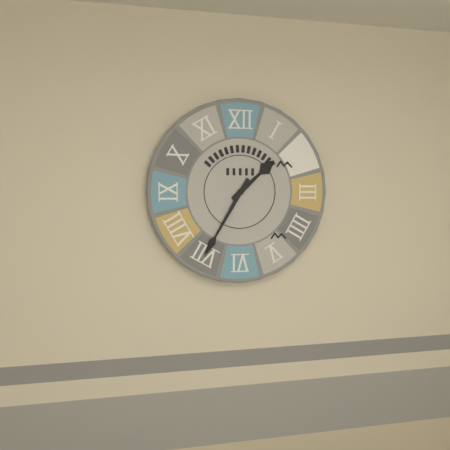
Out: 1h35
